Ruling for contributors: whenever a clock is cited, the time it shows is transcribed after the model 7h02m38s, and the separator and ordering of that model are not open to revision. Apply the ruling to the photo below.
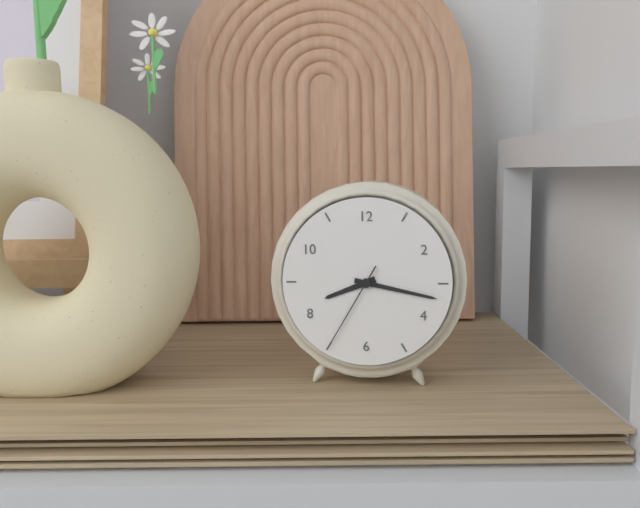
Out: 8h17m35s
